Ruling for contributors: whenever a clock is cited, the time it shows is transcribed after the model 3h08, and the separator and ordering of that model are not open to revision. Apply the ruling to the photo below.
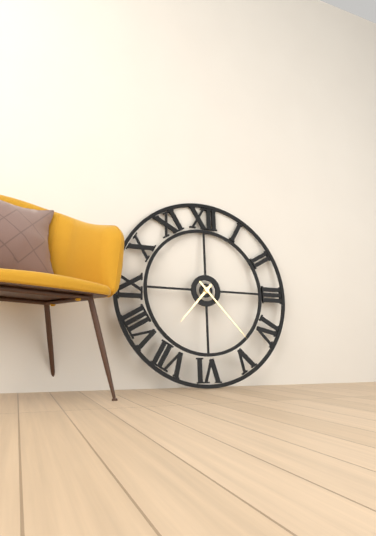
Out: 7h23
